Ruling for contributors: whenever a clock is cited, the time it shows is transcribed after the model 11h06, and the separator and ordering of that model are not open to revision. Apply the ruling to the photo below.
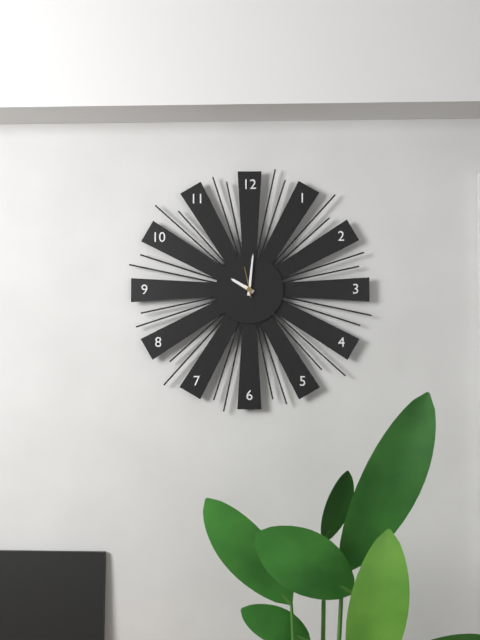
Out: 10h01
